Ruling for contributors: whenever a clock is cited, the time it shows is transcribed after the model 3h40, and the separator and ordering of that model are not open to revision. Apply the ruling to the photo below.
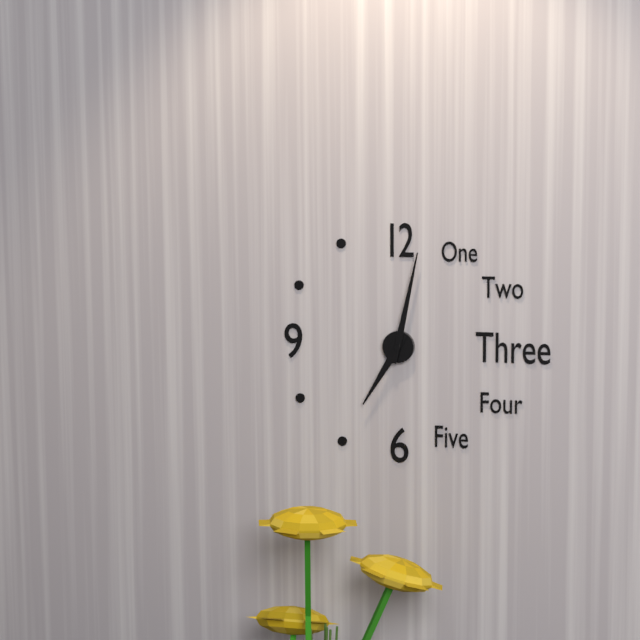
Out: 7h02
